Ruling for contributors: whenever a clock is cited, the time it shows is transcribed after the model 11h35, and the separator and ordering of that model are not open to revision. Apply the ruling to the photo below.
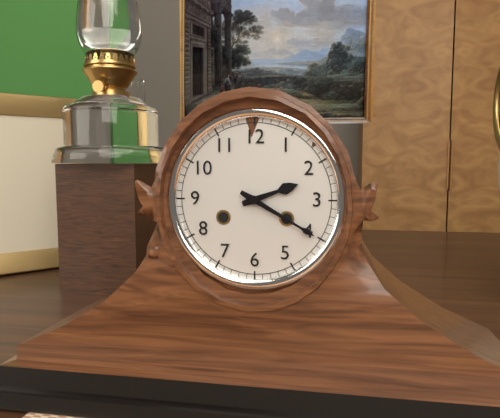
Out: 2h20
